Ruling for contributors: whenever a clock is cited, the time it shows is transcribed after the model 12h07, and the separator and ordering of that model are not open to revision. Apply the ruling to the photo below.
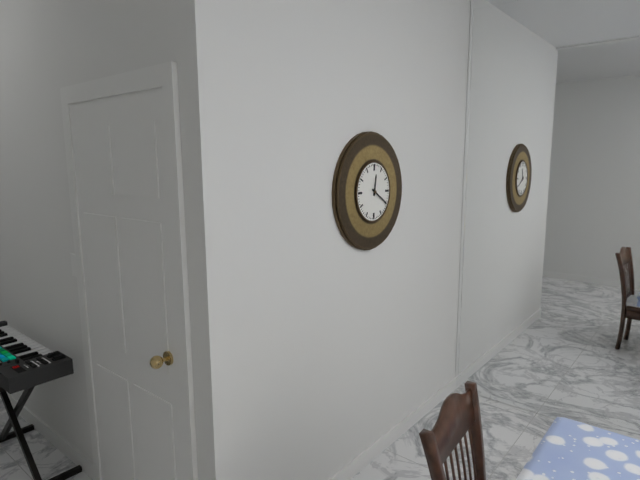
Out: 12h20
